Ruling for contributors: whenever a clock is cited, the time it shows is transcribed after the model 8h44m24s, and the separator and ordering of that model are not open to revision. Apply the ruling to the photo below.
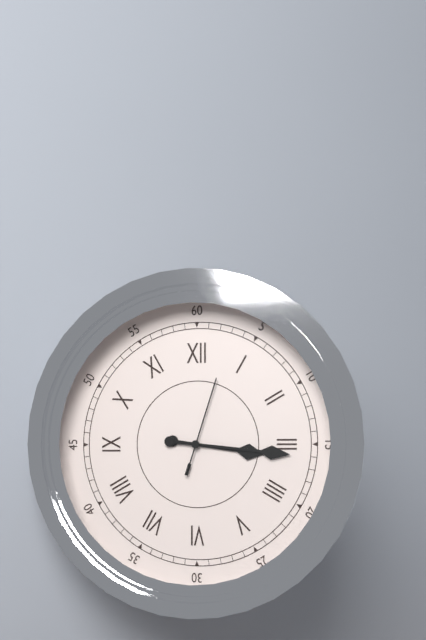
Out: 3h16m03s
